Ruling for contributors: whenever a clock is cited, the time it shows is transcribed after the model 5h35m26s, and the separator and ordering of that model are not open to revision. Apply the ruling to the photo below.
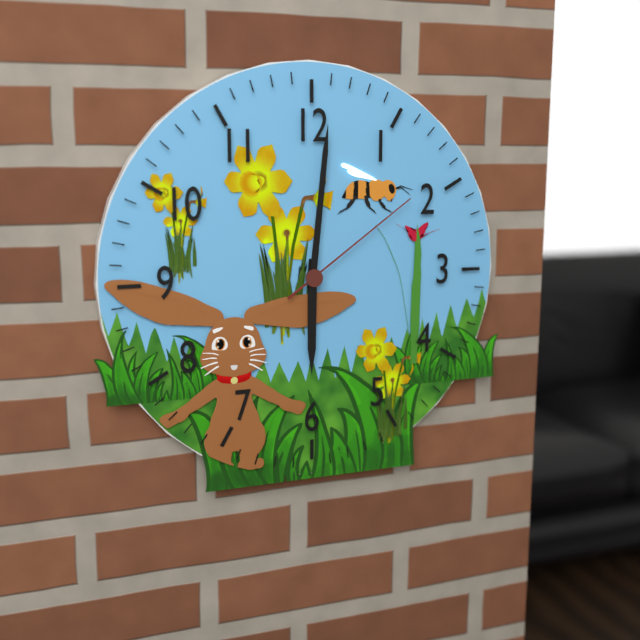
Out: 6h01m09s
